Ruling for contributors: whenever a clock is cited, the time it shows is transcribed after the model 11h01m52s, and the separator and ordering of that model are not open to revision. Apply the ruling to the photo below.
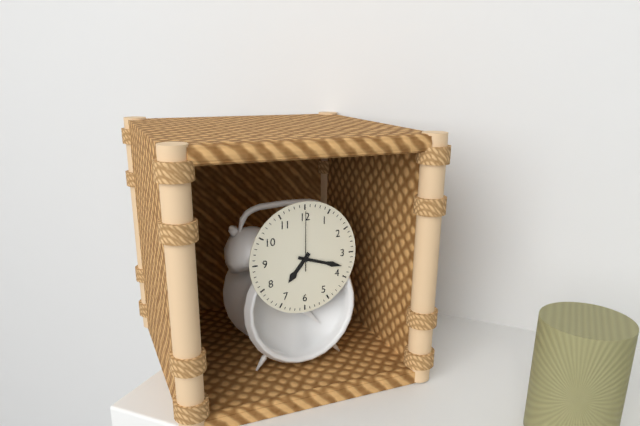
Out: 7h18m00s
